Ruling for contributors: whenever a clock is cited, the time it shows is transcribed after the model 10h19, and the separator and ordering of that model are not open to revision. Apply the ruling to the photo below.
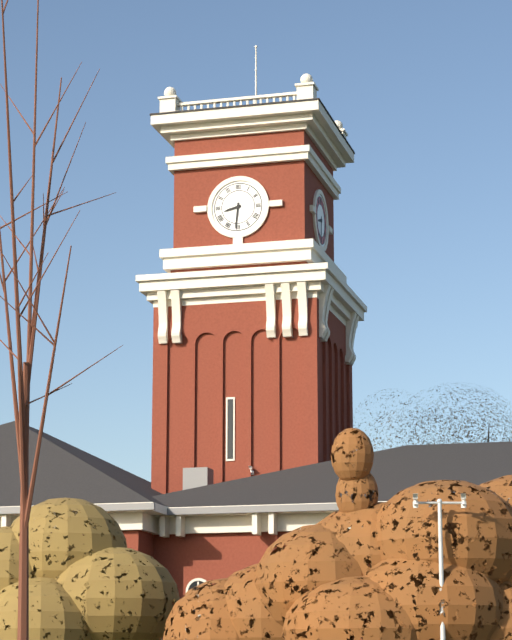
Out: 8h31
